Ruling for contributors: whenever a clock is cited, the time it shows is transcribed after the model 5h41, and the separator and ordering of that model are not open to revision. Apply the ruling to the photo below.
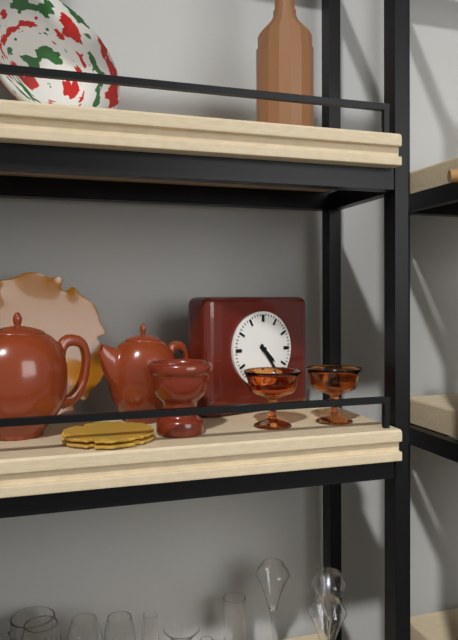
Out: 4h24
